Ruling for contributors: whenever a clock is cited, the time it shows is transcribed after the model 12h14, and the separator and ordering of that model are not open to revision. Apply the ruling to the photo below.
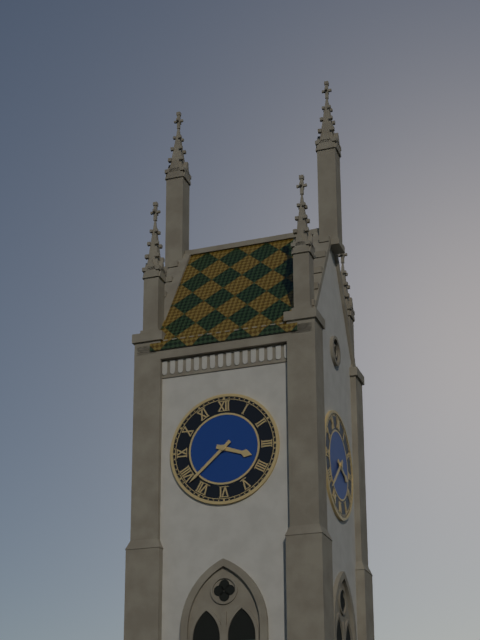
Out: 3h38
